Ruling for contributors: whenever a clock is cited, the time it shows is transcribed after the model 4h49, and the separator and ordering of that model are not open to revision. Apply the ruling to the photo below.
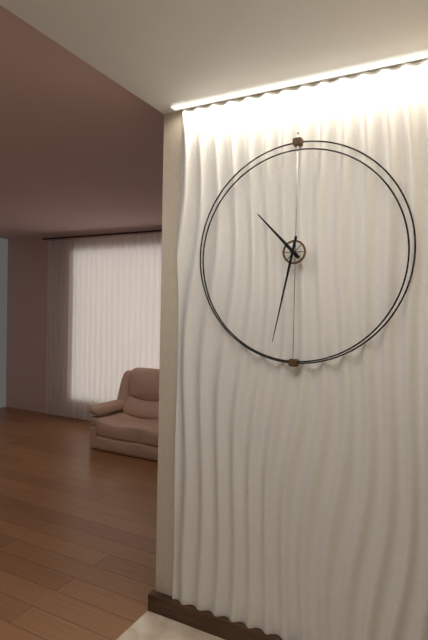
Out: 10h32
